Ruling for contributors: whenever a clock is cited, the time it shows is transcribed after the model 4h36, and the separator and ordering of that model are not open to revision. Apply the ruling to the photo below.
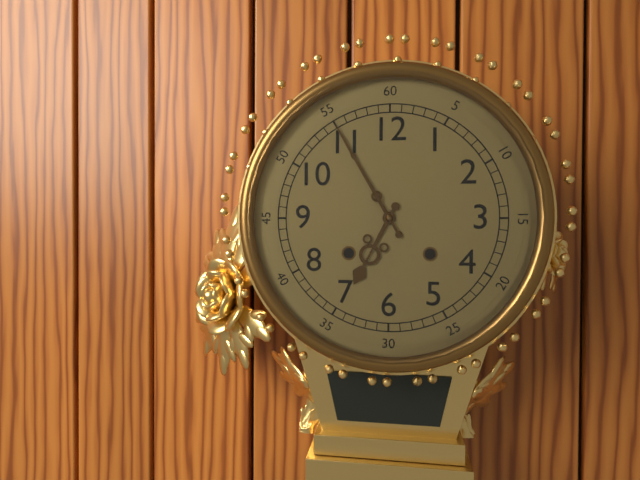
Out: 6h55
